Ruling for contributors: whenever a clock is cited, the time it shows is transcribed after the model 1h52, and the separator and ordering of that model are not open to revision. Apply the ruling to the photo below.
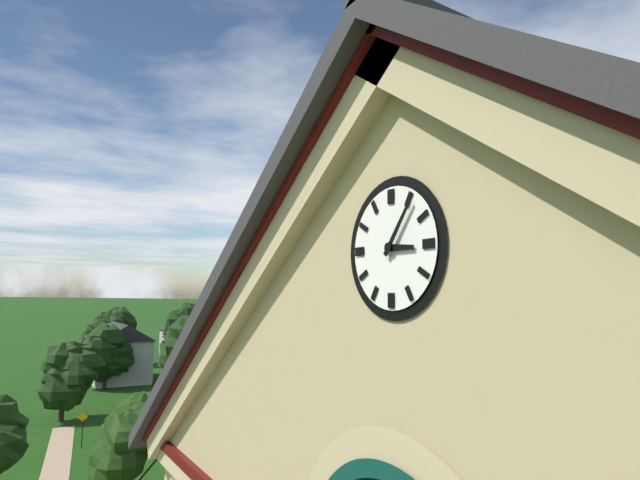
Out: 3h06
